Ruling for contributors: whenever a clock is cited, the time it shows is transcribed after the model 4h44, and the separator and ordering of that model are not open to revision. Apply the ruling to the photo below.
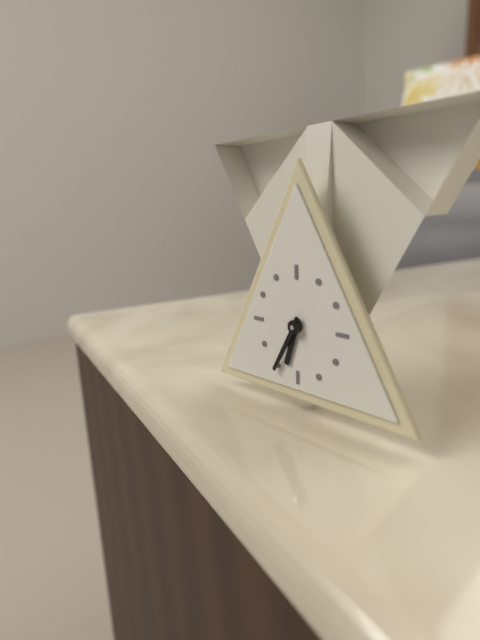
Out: 6h35
